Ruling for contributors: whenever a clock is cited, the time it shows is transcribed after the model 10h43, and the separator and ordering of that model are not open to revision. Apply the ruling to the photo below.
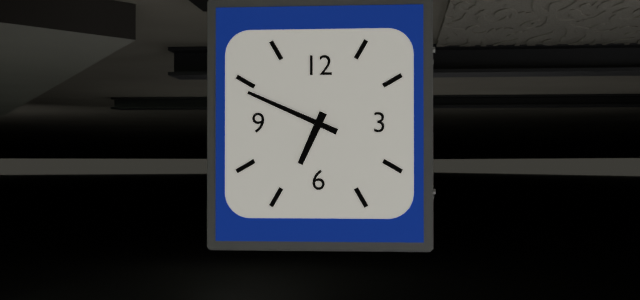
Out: 6h49
